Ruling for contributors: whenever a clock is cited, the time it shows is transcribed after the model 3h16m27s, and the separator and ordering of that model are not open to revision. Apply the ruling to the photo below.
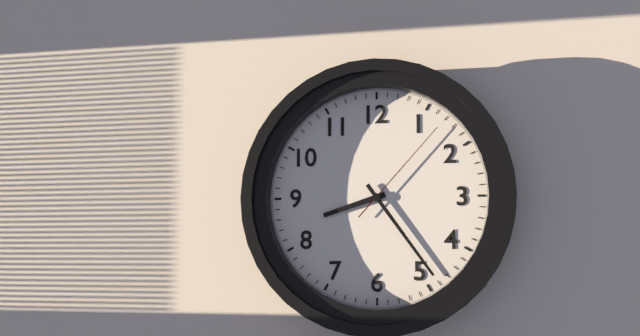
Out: 8h24m07s
